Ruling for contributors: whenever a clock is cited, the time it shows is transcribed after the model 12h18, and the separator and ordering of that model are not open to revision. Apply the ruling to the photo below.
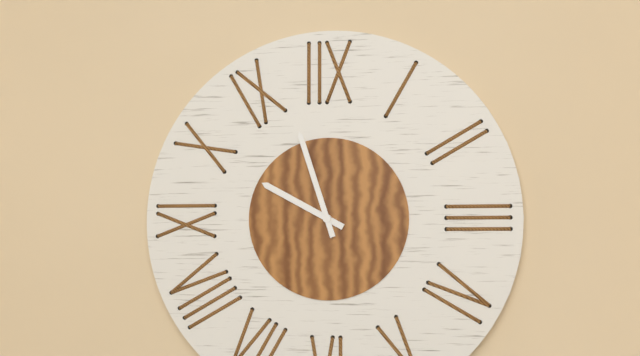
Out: 9h57
